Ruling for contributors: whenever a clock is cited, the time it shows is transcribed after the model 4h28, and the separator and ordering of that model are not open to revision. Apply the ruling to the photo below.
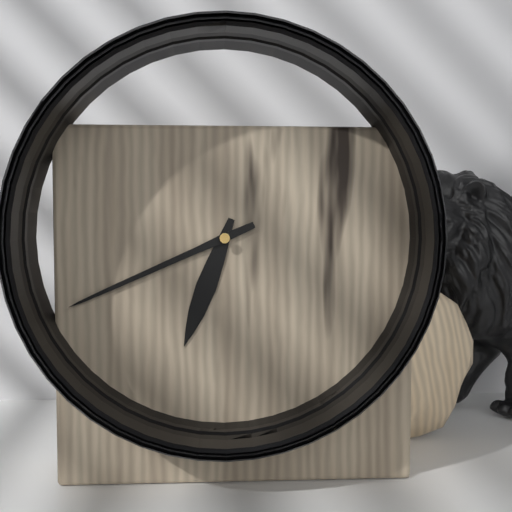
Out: 6h41
